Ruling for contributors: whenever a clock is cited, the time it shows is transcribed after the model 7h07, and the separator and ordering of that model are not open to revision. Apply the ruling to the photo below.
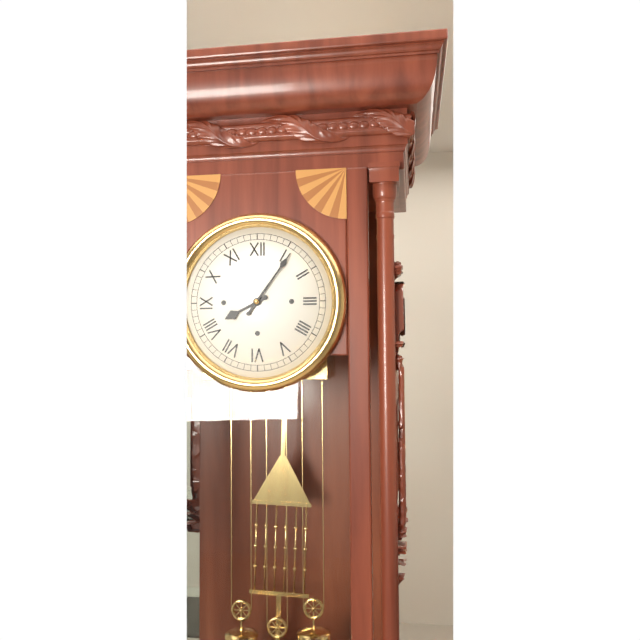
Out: 8h06
